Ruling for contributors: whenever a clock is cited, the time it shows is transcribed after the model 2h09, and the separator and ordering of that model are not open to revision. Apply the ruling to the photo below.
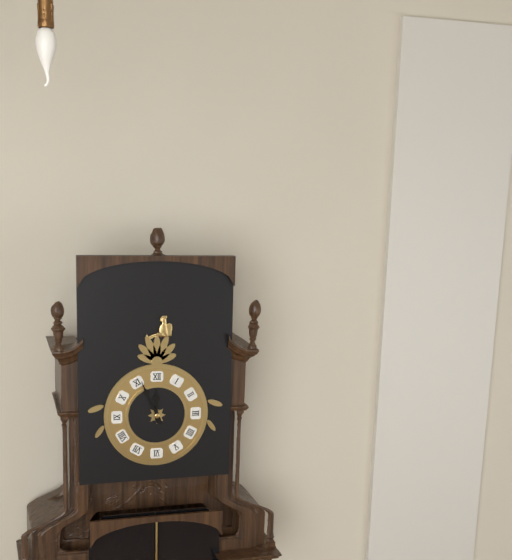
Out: 11h56
